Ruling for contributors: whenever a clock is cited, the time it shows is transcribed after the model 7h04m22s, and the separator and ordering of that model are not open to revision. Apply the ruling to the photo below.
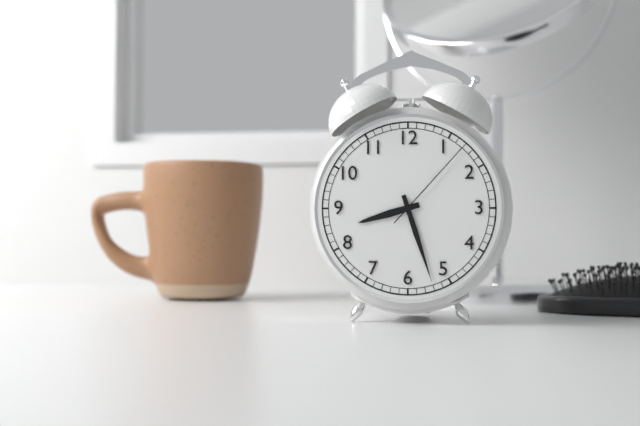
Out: 8h27m07s
